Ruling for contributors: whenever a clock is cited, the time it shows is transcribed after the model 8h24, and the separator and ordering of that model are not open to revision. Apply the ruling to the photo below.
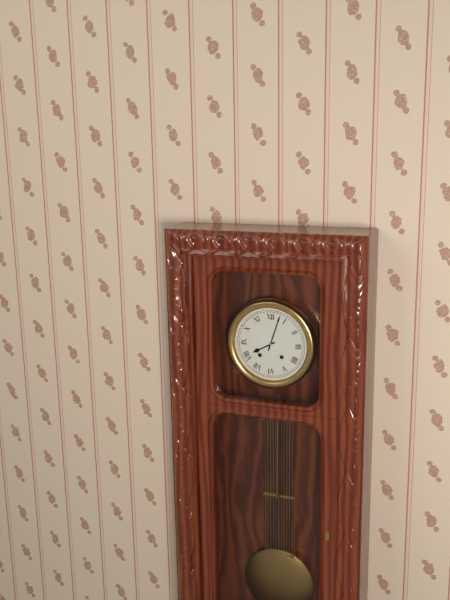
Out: 8h03
